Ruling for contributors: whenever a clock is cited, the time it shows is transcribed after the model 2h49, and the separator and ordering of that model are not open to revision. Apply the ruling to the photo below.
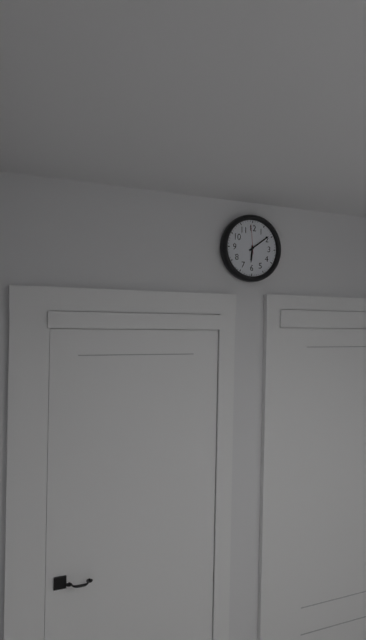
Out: 6h09
